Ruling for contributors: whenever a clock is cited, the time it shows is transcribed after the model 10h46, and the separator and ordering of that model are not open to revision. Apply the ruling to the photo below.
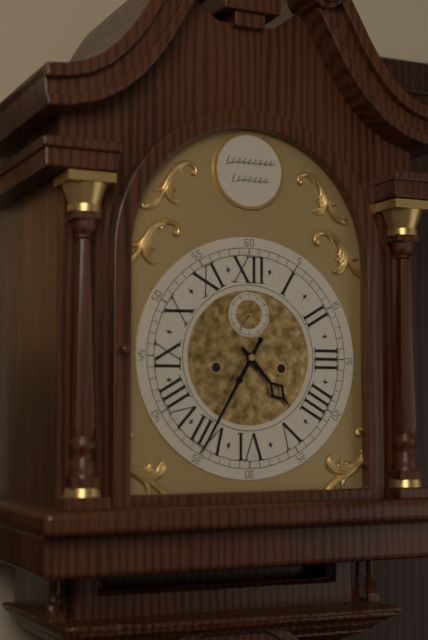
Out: 4h35
